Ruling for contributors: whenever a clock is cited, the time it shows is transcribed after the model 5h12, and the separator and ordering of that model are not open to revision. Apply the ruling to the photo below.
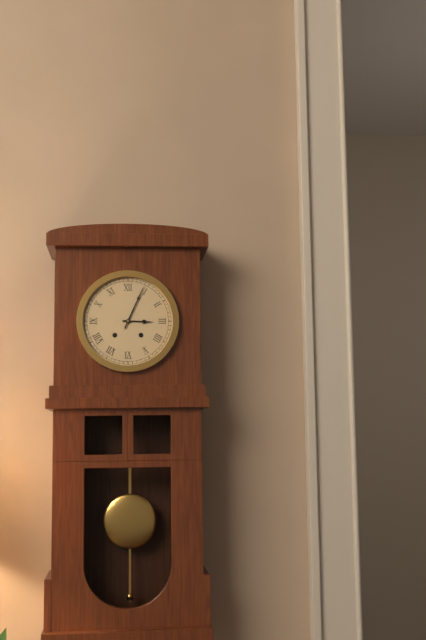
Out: 3h04
